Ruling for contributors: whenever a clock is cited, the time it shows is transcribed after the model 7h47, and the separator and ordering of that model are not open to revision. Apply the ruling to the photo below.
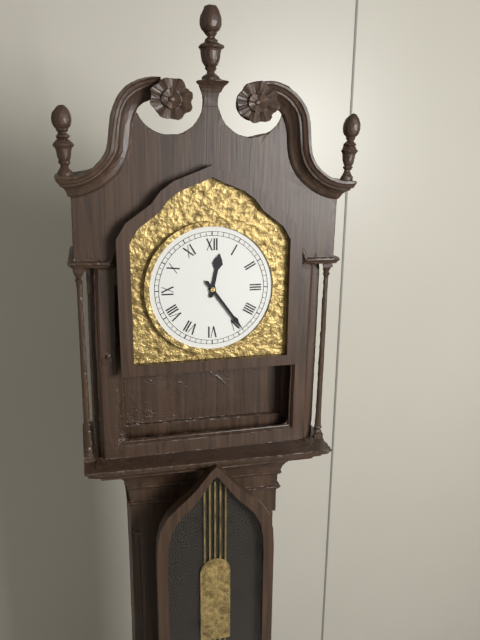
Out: 12h24
